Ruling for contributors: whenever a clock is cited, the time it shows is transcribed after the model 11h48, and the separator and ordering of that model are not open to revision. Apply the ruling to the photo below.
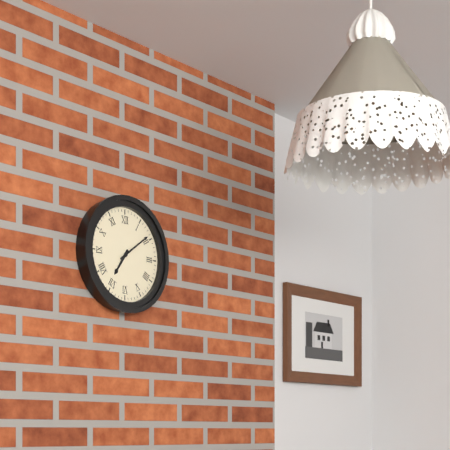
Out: 7h09
